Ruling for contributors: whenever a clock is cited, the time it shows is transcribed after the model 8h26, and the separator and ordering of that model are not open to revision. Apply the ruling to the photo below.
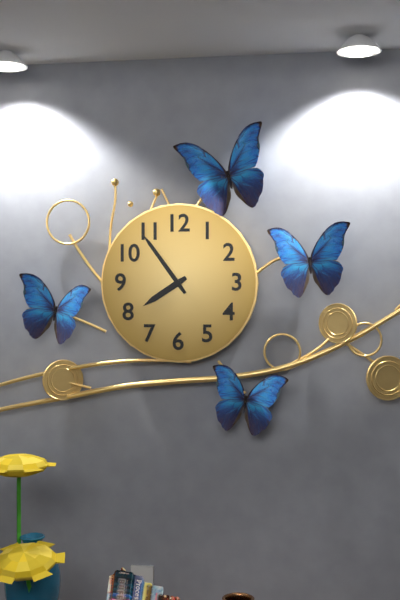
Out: 7h54
